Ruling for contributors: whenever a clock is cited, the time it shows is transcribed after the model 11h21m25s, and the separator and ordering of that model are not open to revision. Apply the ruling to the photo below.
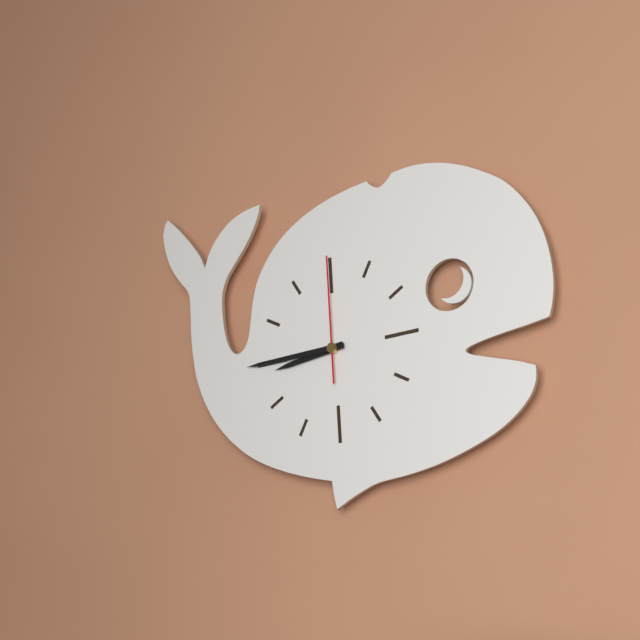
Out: 8h45m00s
